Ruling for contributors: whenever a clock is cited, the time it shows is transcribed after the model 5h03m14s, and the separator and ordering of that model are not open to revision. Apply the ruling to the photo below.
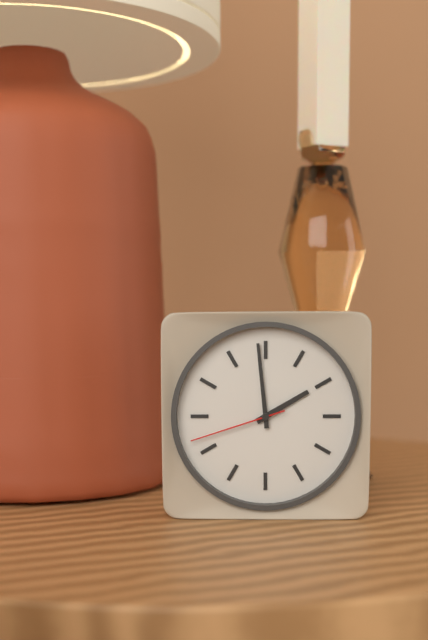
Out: 1h59m42s
